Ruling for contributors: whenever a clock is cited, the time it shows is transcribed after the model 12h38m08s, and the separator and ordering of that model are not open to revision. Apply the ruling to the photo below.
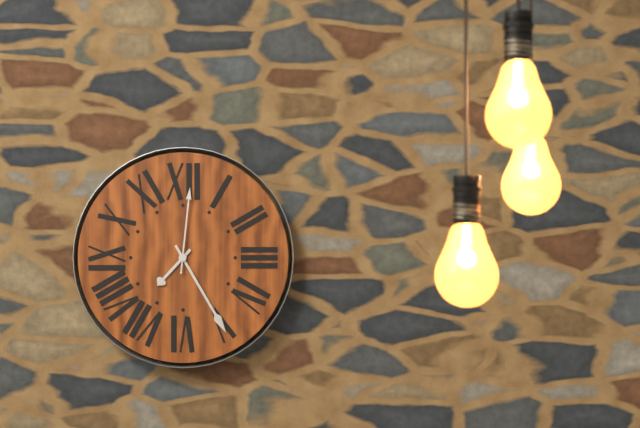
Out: 7h25m01s
